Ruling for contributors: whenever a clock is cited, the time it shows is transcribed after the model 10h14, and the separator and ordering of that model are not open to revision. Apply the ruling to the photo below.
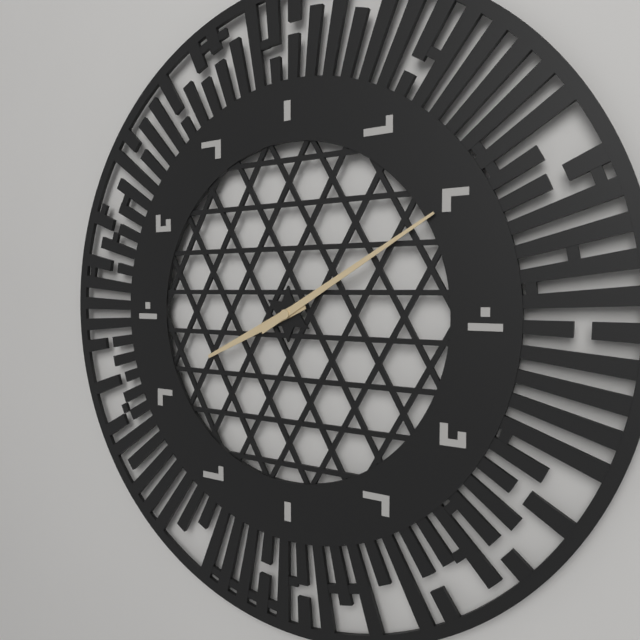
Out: 8h10
